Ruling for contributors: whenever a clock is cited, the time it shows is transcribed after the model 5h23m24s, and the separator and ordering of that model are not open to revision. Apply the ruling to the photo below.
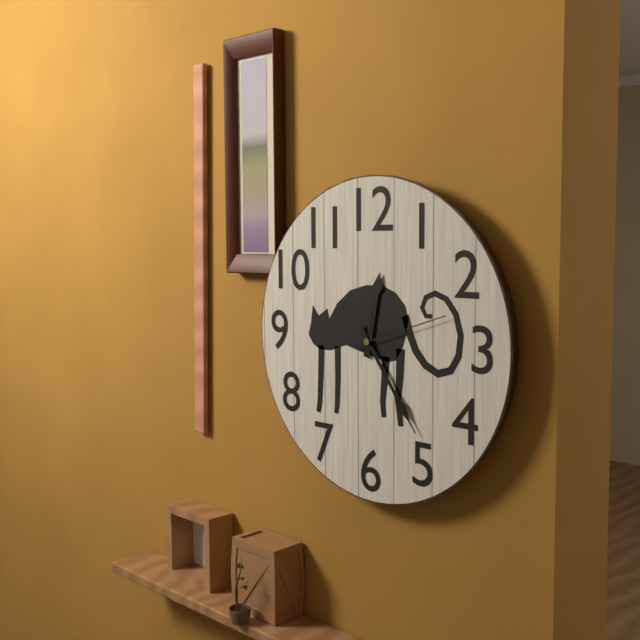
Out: 12h24m12s
